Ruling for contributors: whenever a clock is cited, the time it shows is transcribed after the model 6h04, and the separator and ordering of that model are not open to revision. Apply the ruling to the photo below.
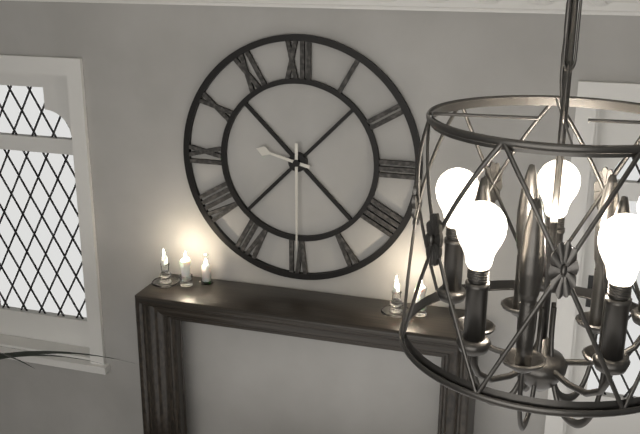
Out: 9h30
